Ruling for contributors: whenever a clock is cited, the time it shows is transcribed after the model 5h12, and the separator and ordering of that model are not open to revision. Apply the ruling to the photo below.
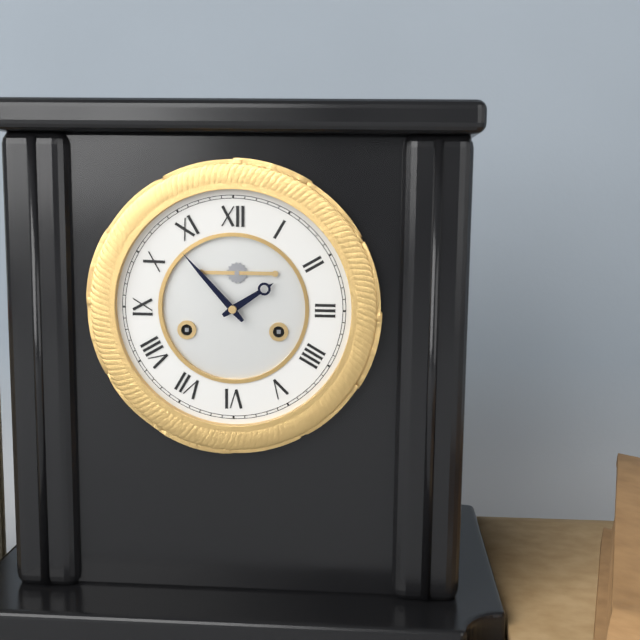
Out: 1h53
